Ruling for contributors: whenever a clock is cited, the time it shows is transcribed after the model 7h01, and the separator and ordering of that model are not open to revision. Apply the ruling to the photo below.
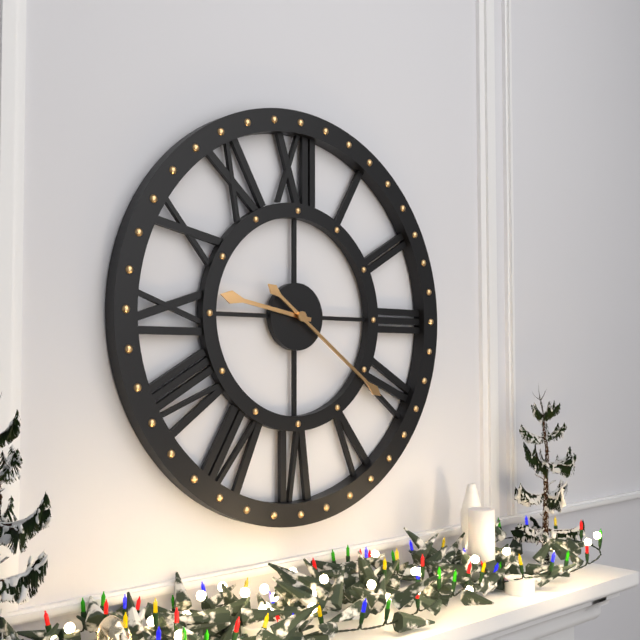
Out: 9h21
